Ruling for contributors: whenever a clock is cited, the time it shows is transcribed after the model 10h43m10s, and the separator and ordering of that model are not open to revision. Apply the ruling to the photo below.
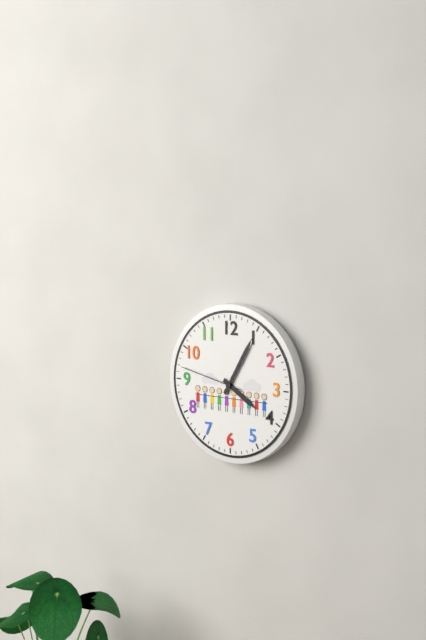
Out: 4h05m47s
